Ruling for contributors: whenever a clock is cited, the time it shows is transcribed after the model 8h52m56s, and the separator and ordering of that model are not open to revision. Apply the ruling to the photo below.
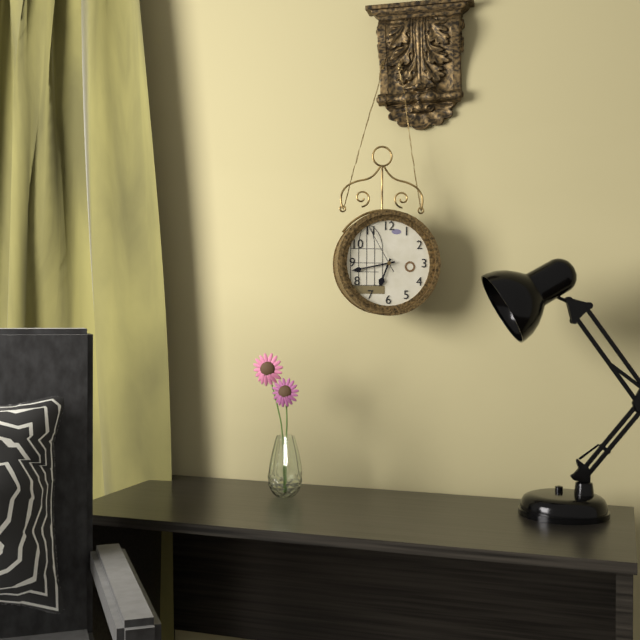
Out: 6h43m55s
